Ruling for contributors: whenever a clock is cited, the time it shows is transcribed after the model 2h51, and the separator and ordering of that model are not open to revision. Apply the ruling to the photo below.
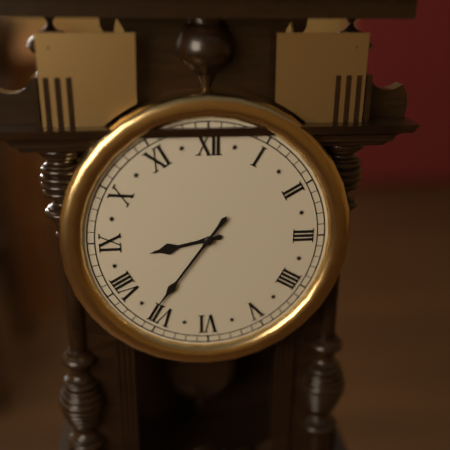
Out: 8h36
